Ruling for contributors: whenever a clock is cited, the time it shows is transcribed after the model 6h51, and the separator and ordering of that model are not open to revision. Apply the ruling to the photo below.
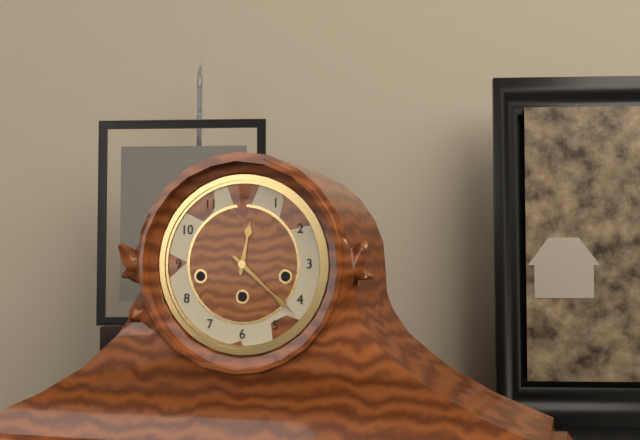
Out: 12h22
